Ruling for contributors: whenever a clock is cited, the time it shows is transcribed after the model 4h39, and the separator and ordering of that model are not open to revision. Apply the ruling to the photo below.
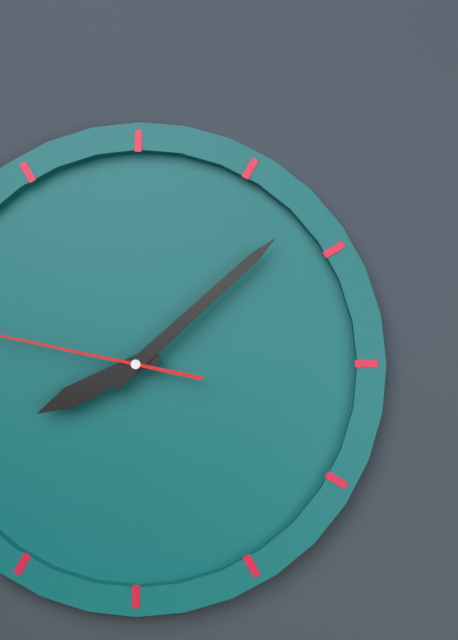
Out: 8h08
